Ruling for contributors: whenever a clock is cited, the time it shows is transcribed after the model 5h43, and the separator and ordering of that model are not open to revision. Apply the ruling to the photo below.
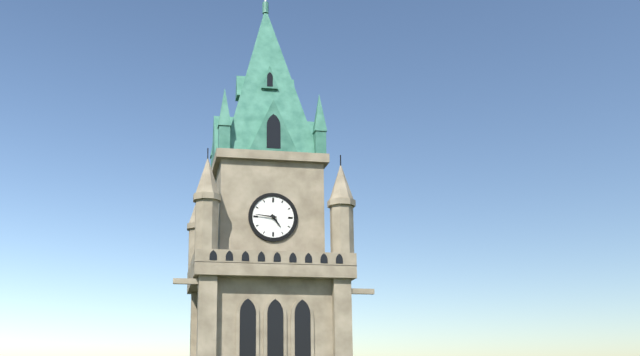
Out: 4h46
